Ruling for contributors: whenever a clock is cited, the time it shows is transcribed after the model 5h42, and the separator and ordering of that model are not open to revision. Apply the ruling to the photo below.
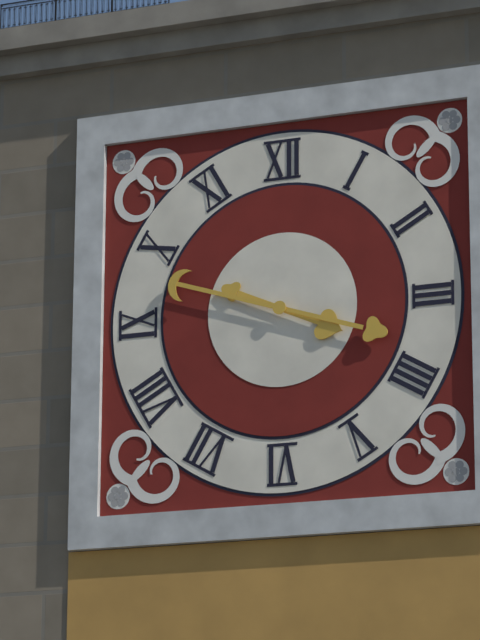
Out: 3h48
